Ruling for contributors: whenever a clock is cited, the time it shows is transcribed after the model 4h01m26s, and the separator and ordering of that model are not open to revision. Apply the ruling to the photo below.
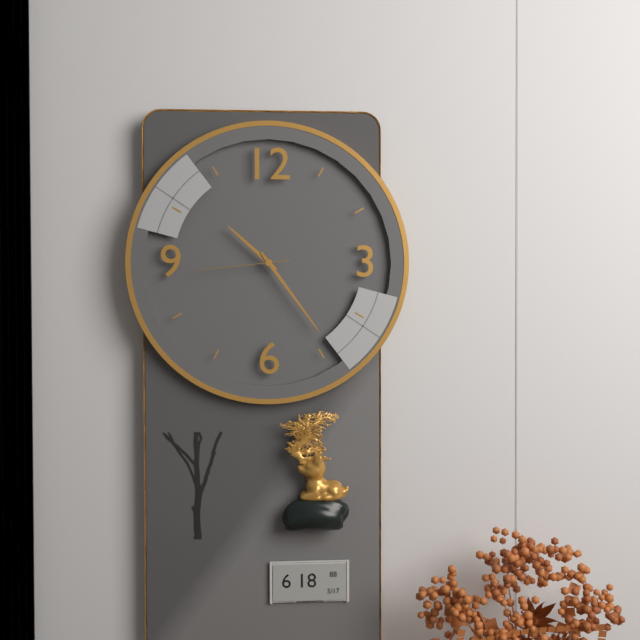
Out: 10h24m44s
